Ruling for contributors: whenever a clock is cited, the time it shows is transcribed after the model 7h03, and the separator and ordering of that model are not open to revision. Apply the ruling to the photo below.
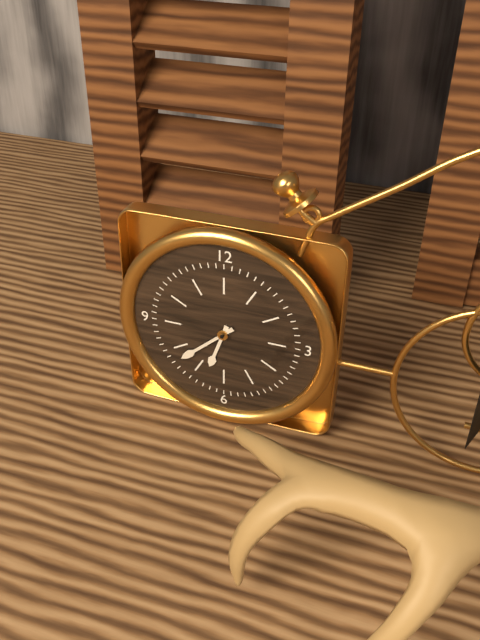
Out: 6h38
